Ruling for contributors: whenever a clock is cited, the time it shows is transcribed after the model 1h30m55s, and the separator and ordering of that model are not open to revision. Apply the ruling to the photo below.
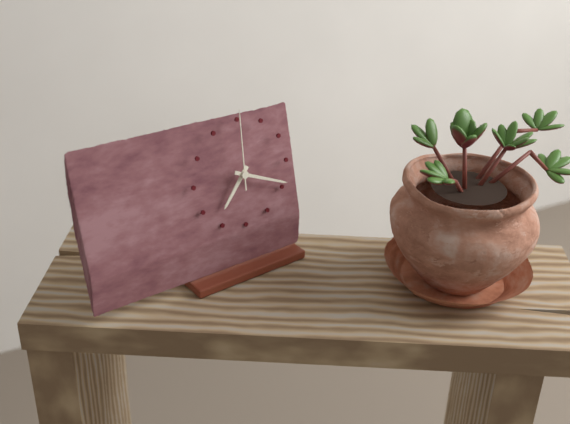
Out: 7h19m00s
